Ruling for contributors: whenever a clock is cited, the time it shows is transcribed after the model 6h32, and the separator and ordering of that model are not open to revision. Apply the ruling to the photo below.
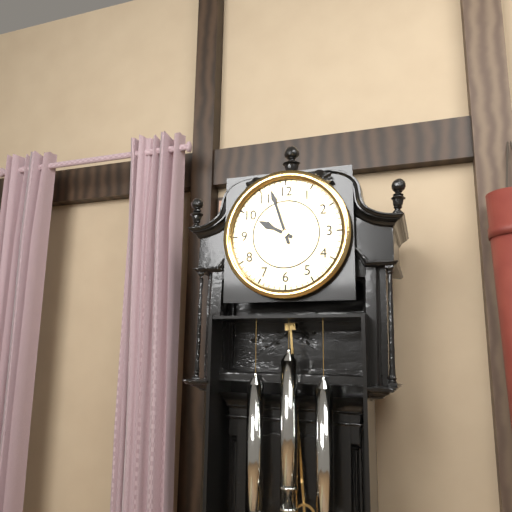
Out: 9h57
